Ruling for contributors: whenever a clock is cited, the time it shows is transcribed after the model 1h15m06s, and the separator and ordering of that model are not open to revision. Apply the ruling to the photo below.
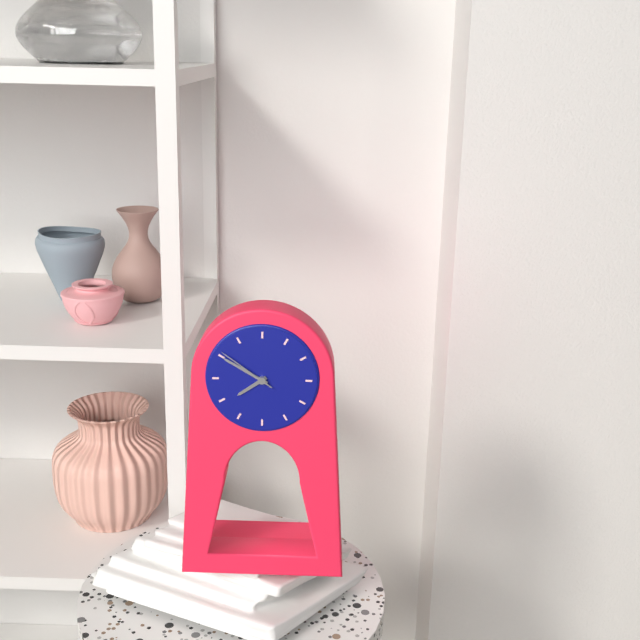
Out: 7h50m51s
